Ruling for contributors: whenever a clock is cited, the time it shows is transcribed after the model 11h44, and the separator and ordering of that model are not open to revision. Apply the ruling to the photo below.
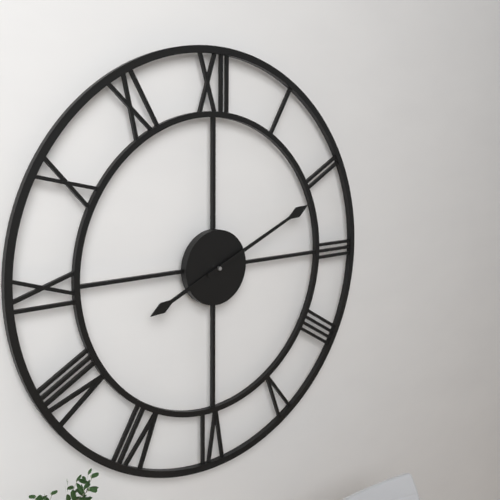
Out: 8h11
